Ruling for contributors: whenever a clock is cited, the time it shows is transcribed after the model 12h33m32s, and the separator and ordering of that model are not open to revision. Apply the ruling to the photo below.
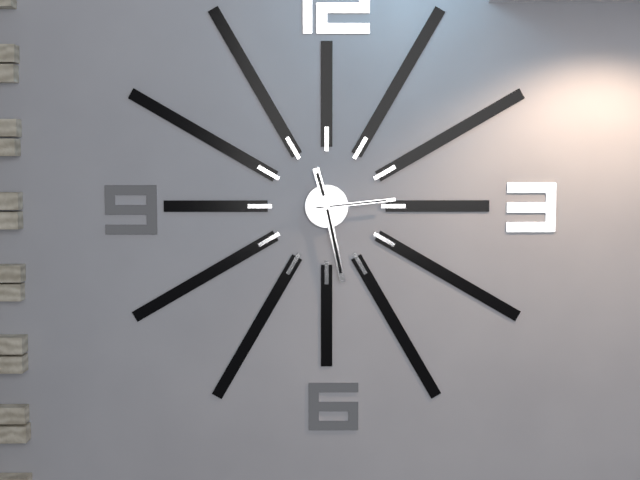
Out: 11h28m14s
